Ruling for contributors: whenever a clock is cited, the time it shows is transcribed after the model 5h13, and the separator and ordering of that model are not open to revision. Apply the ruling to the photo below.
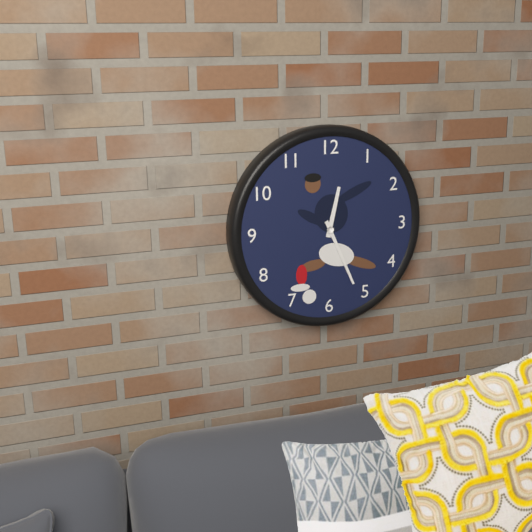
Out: 12h26
